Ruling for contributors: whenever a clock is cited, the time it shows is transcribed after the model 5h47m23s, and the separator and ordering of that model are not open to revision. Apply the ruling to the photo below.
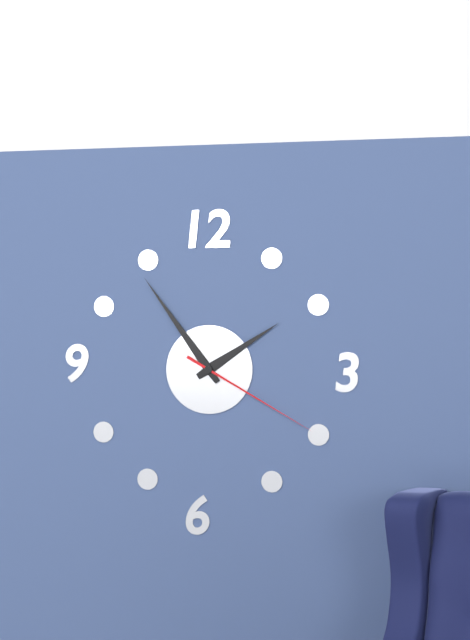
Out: 1h54m20s
